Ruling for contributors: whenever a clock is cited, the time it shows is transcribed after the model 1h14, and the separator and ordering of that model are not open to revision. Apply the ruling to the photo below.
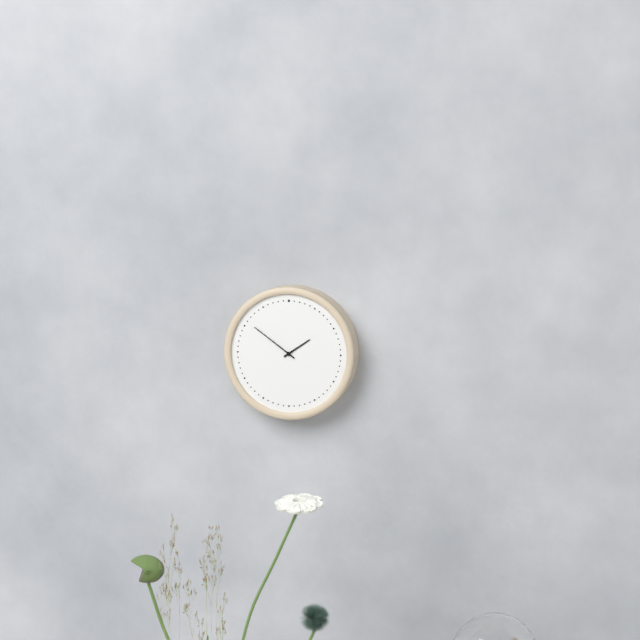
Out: 1h51
